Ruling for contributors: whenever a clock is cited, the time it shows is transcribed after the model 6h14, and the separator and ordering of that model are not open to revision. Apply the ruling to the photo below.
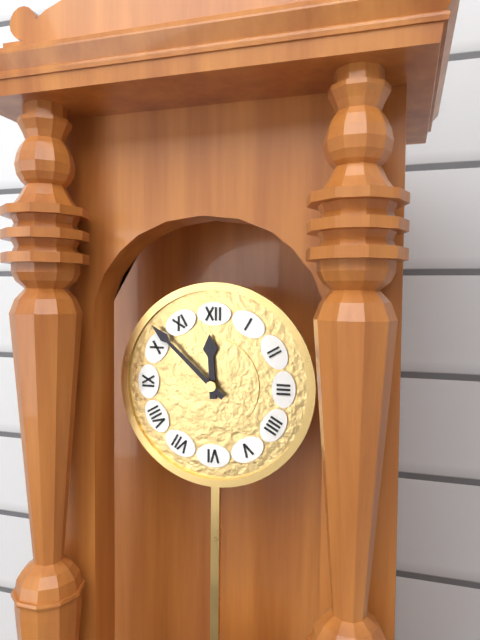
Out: 11h52
